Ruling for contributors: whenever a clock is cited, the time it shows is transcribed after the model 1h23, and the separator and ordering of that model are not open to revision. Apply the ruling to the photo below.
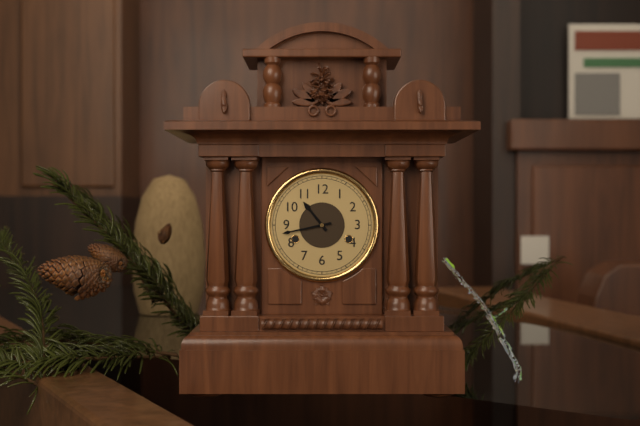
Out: 10h43
